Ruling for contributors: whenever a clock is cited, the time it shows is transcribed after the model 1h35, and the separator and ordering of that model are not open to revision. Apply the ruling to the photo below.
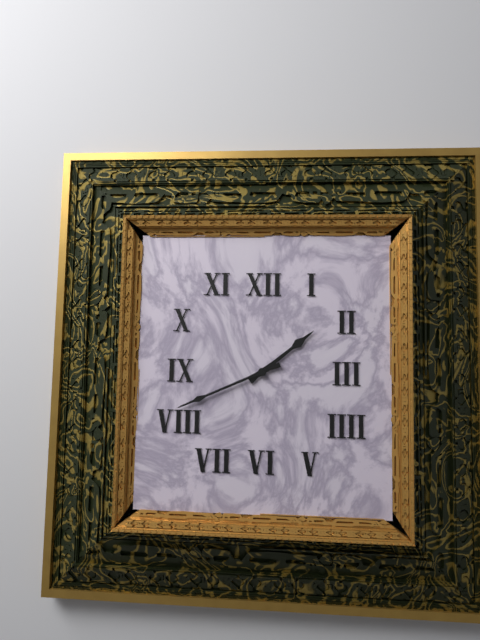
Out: 1h41
